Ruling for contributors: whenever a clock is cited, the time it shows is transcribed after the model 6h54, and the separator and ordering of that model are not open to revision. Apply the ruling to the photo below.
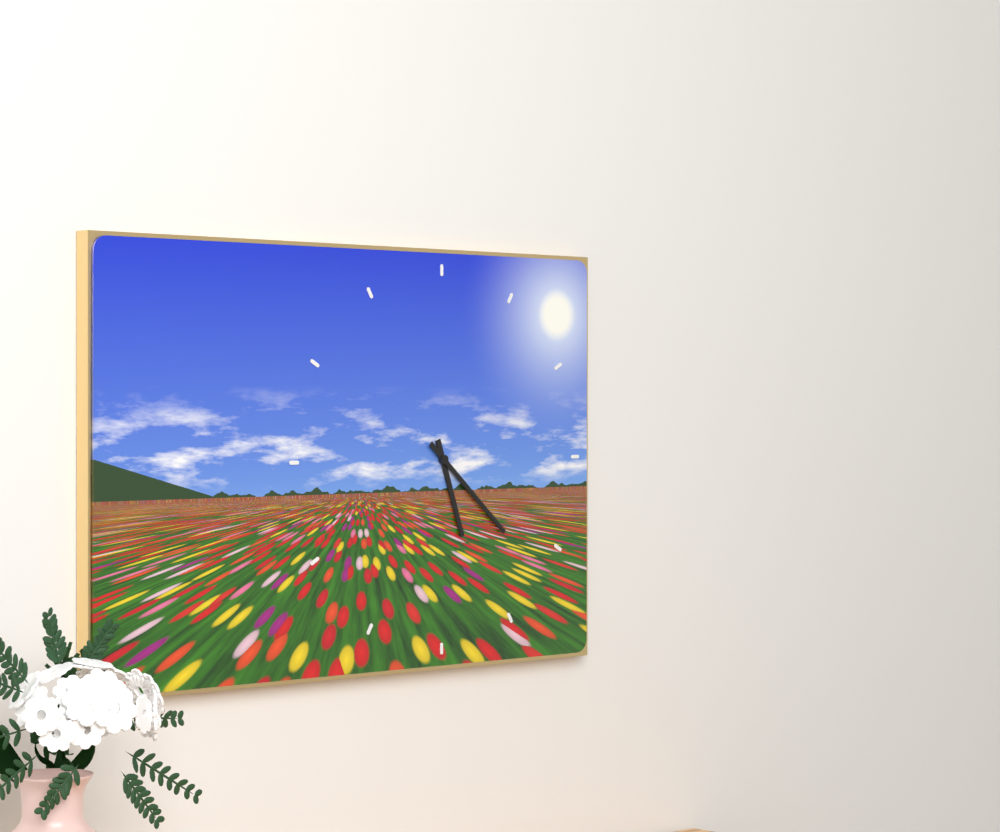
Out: 5h22
